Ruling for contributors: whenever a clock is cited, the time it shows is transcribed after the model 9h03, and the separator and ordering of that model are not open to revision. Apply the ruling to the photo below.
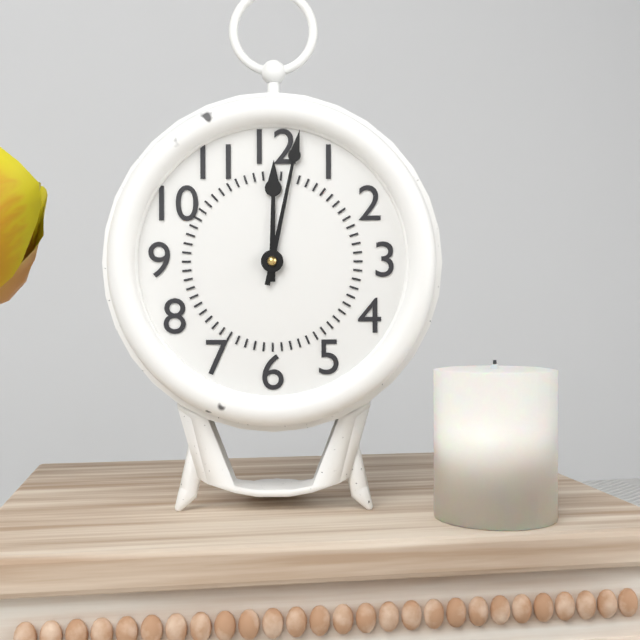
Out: 12h02
